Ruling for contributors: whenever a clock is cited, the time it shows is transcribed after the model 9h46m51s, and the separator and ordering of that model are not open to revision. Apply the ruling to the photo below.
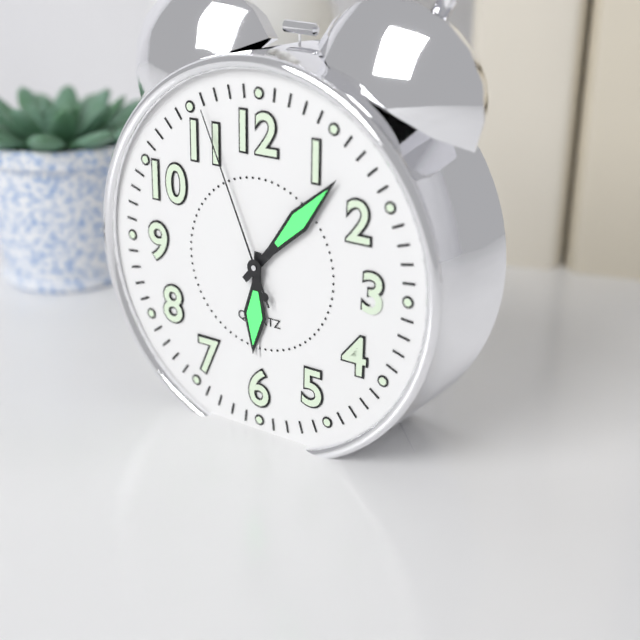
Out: 6h07m56s
